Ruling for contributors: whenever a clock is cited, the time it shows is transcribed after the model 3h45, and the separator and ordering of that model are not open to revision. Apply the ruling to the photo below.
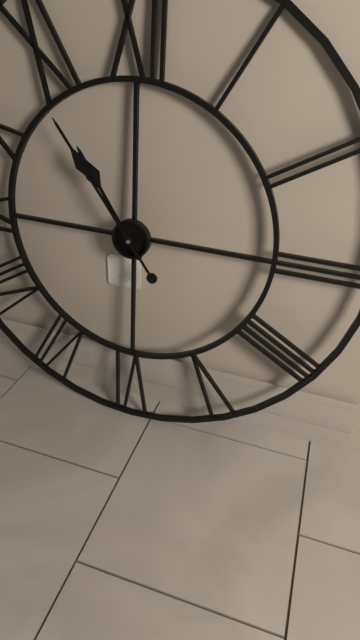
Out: 10h54
